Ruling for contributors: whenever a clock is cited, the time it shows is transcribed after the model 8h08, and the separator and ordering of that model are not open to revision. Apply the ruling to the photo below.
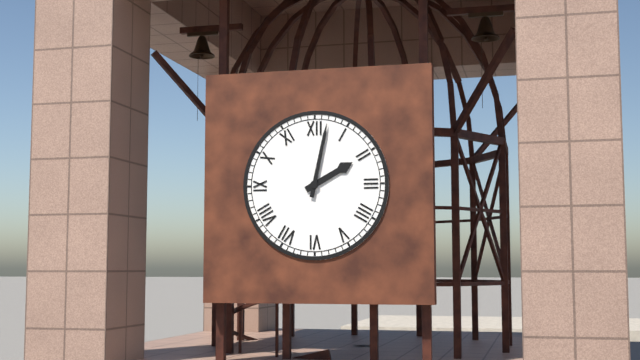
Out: 2h02
